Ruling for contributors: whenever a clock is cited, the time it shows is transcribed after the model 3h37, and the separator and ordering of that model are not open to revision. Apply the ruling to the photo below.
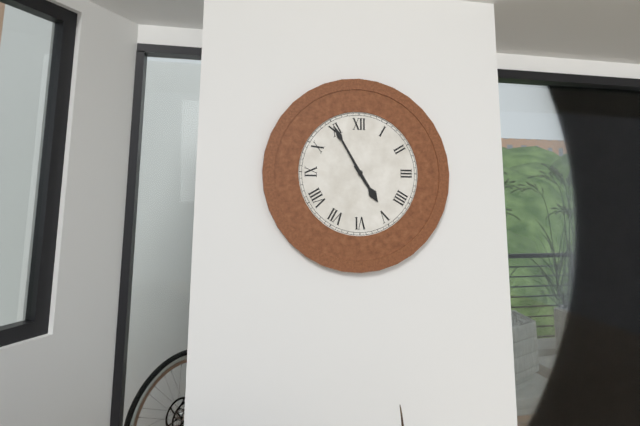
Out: 4h55
